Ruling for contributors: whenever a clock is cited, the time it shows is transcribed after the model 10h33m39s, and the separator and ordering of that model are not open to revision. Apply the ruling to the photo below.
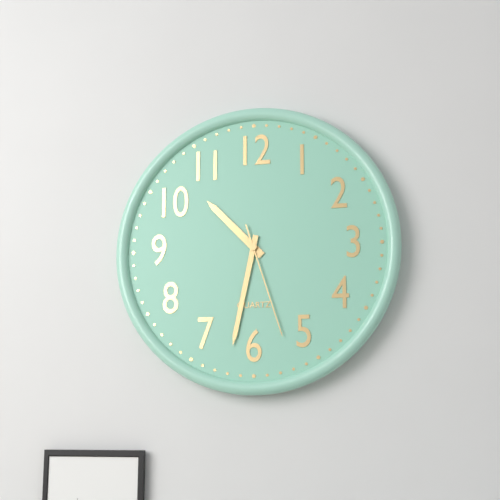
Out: 10h32m27s
